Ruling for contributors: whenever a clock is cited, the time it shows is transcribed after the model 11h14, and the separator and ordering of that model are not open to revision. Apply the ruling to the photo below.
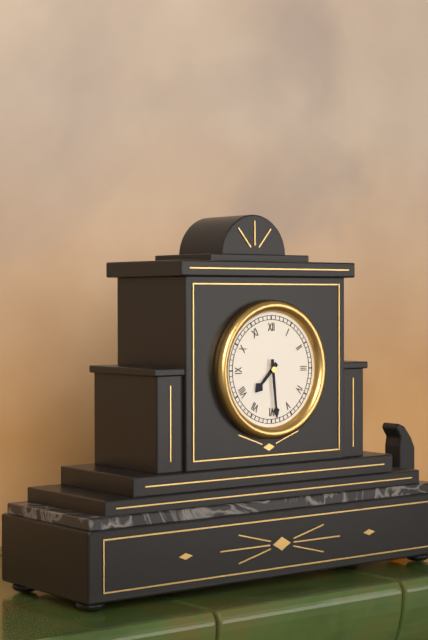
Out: 7h29
